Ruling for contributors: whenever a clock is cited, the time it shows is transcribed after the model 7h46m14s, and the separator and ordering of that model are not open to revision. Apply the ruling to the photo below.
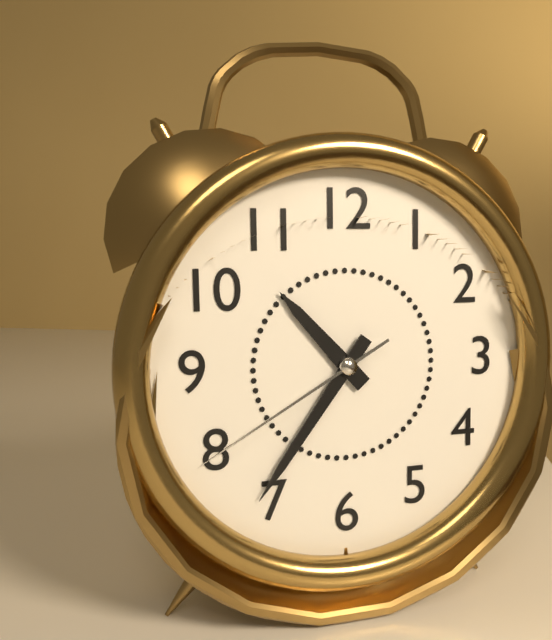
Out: 10h36m40s
